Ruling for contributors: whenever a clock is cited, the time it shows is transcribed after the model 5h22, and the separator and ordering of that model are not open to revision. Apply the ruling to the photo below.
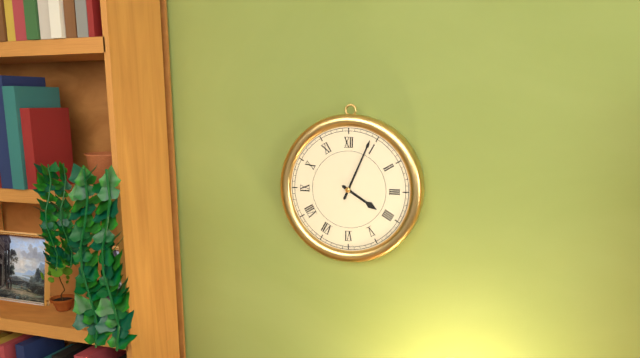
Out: 4h04
